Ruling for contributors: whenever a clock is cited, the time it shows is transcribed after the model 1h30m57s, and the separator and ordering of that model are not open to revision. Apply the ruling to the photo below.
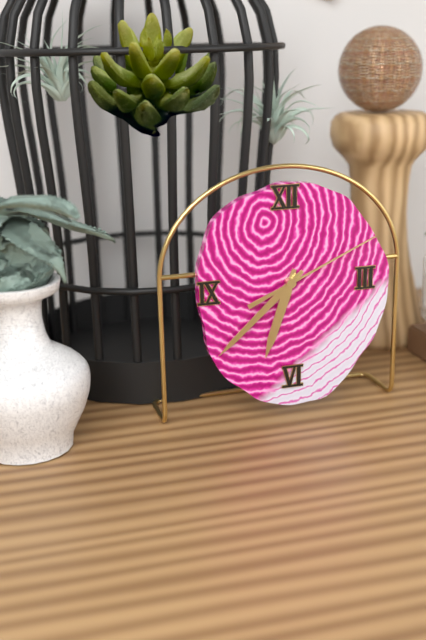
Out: 6h38m11s
